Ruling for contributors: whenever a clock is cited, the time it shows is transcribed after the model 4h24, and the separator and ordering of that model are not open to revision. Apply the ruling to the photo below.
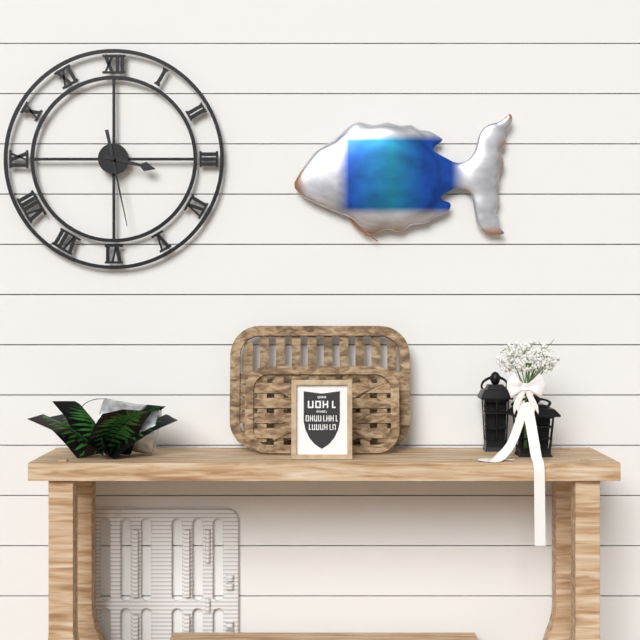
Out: 3h28
